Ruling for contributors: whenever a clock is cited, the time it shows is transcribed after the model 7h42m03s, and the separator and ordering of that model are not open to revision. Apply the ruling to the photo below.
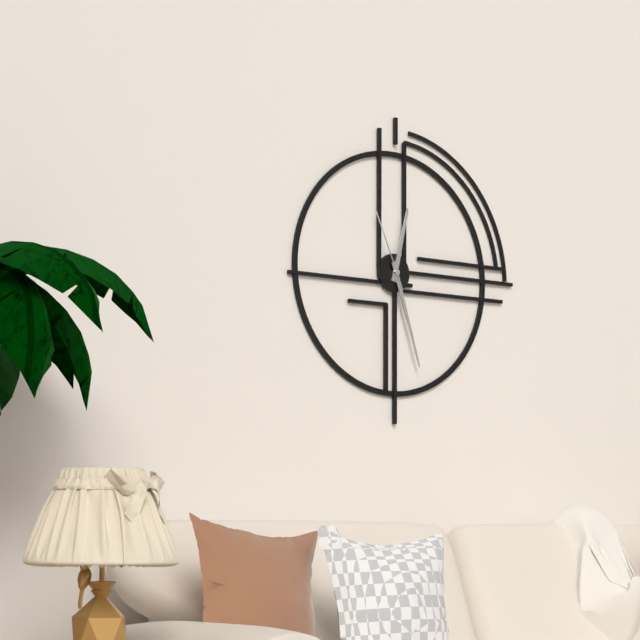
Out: 12h27m56s
